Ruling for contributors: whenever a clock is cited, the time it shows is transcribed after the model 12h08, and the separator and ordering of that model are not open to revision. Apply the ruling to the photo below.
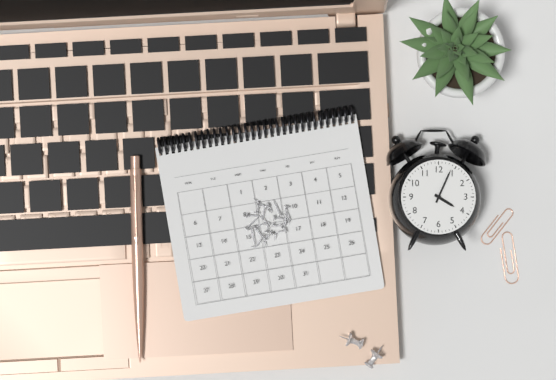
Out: 4h04
